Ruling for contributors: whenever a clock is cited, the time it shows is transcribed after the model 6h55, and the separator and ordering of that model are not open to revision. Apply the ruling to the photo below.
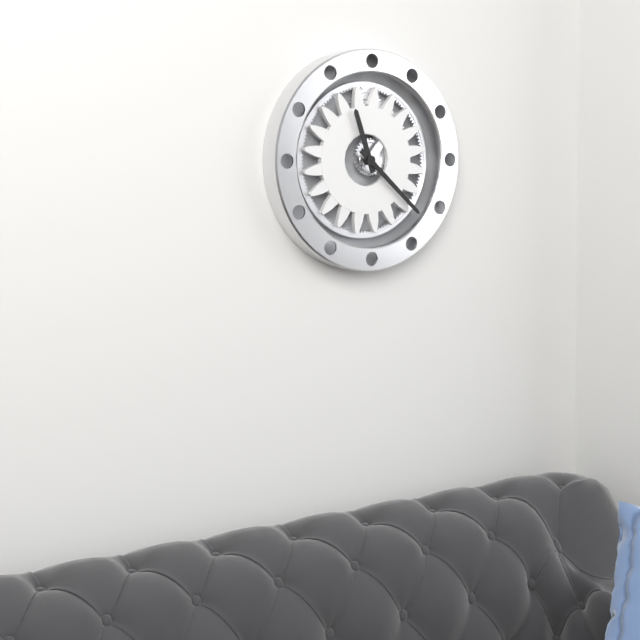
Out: 11h22
